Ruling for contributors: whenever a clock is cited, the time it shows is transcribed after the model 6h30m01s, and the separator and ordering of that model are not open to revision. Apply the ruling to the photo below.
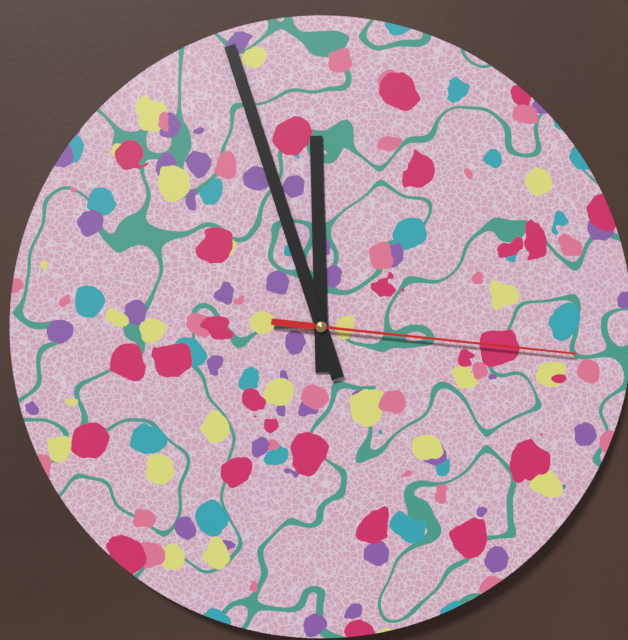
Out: 11h57m16s
